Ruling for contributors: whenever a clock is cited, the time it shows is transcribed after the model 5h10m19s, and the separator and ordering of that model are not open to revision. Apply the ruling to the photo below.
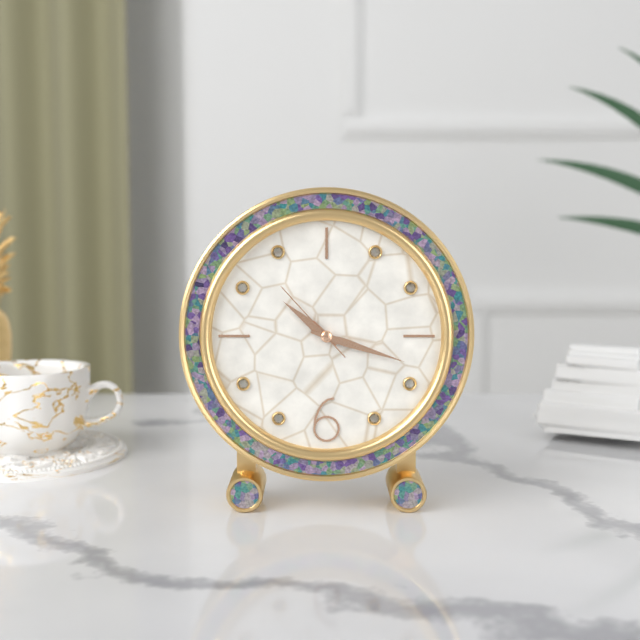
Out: 10h18m53s
